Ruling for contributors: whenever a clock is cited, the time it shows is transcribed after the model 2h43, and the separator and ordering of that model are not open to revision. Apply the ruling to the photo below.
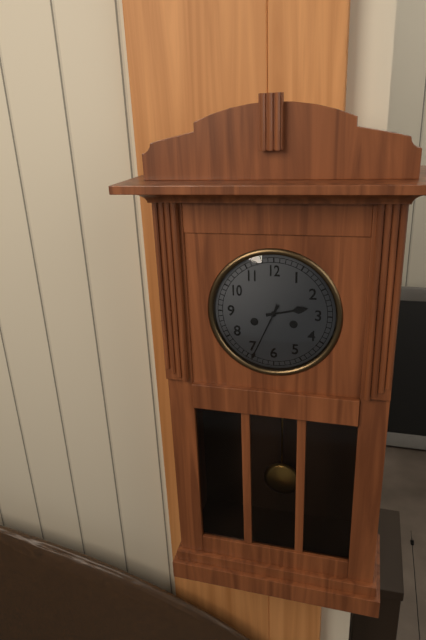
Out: 2h34
